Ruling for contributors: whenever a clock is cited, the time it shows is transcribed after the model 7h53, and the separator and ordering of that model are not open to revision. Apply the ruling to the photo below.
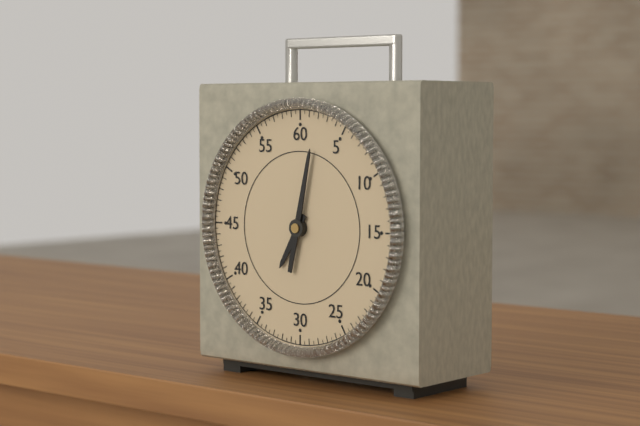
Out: 7h02
